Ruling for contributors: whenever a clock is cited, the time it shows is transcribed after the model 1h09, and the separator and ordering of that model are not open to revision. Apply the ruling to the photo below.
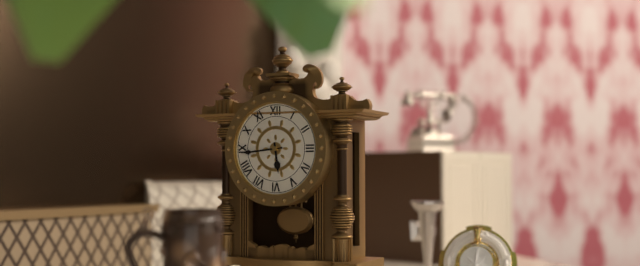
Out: 5h44
